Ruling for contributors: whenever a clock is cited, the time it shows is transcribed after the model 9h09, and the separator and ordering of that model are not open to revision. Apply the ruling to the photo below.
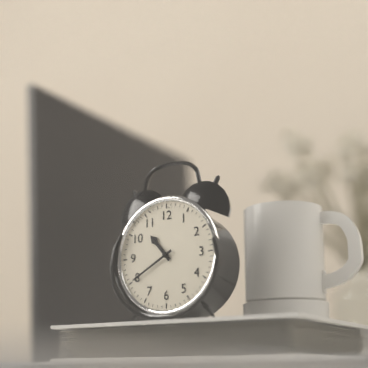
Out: 10h40
